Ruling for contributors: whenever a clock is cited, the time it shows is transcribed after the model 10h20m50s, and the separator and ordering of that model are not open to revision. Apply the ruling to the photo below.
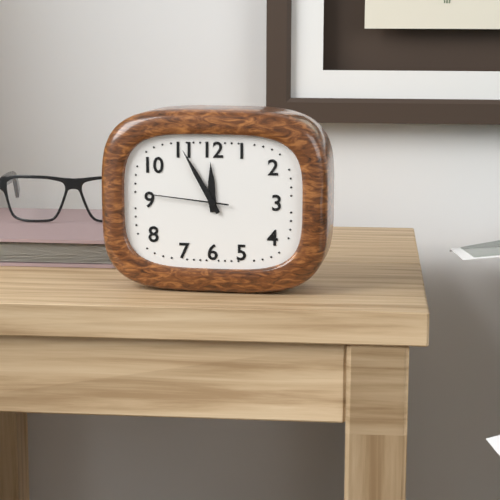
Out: 11h55m46s
